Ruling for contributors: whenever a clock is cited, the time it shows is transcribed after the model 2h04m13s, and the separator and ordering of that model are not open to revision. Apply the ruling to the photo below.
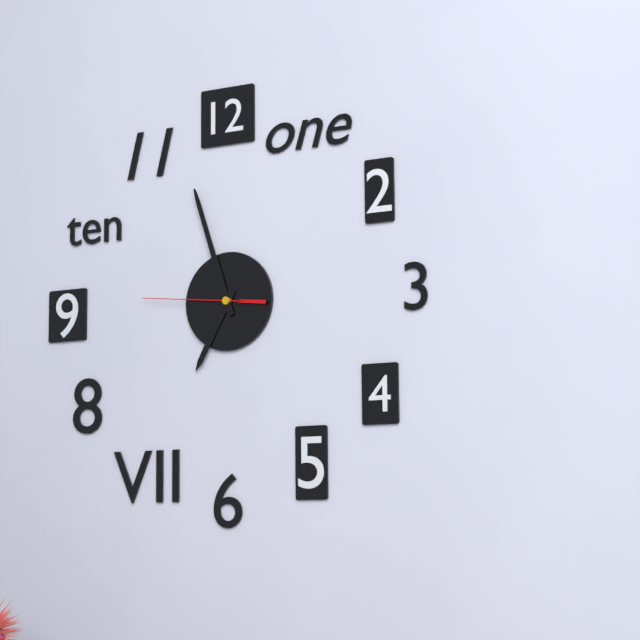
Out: 6h57m46s
